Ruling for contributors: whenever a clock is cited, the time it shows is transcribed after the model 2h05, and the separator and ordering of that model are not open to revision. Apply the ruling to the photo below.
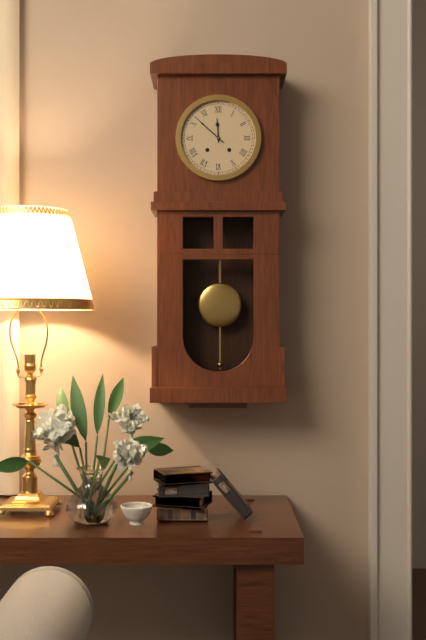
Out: 11h52
